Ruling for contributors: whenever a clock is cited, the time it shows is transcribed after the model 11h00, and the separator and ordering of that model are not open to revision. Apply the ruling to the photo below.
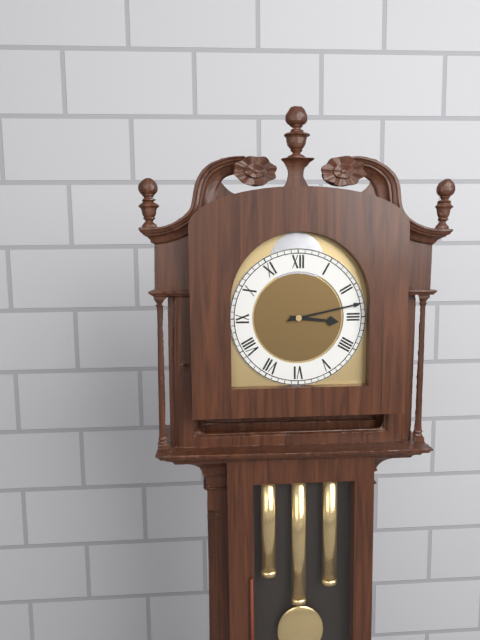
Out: 3h13
